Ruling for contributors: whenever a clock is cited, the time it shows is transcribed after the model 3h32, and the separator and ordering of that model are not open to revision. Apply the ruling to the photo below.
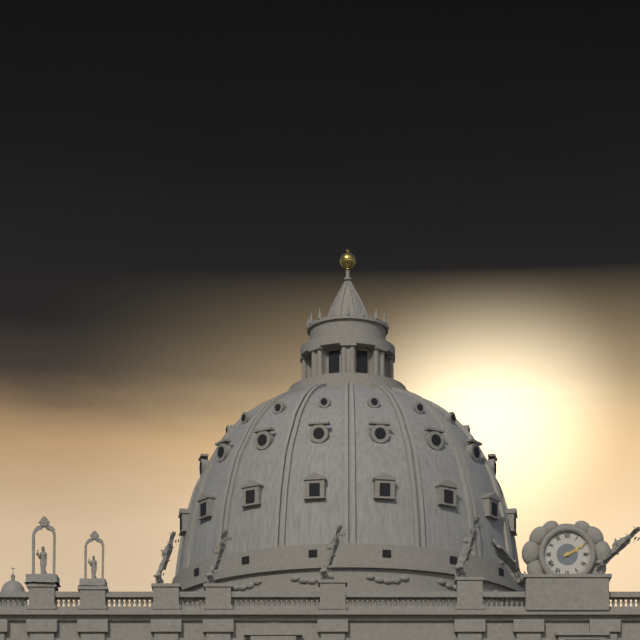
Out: 2h10
